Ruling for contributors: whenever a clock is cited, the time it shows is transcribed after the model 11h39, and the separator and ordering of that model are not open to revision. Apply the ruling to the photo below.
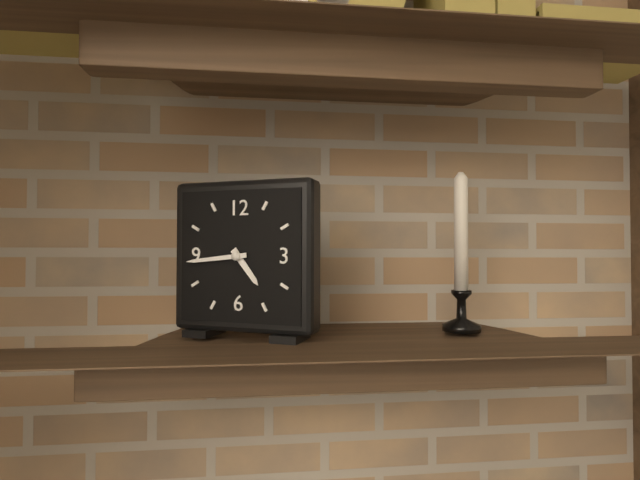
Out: 4h44
